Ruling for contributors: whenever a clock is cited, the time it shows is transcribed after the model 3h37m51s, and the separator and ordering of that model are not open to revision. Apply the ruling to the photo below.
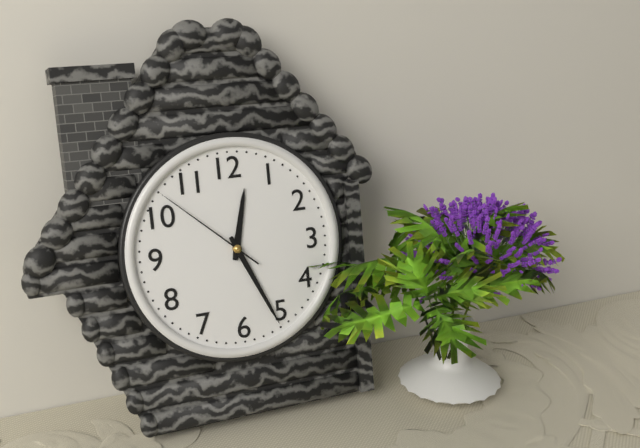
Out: 12h26m52s
